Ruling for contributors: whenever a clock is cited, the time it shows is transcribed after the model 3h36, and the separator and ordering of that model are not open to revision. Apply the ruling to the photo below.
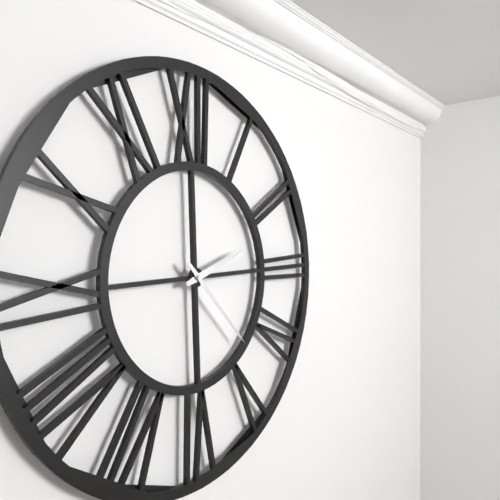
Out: 2h23
